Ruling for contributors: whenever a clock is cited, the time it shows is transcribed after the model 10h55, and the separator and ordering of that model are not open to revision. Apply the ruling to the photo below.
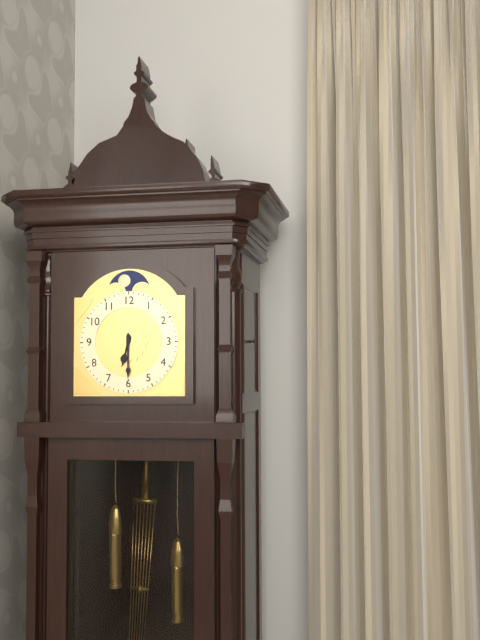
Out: 6h30
